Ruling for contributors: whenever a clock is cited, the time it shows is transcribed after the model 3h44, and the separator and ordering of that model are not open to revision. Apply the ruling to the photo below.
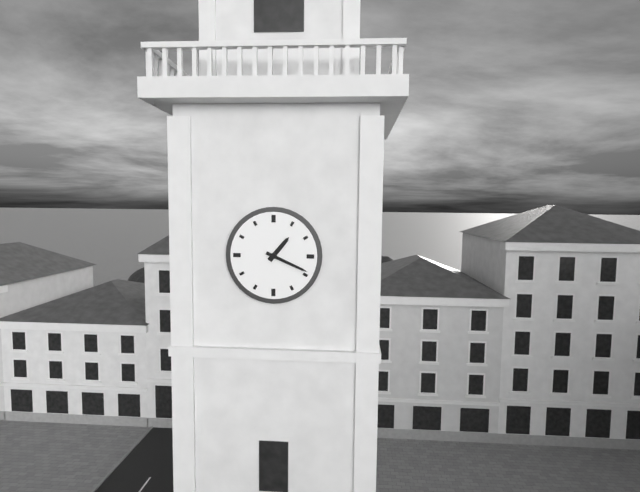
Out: 1h19
